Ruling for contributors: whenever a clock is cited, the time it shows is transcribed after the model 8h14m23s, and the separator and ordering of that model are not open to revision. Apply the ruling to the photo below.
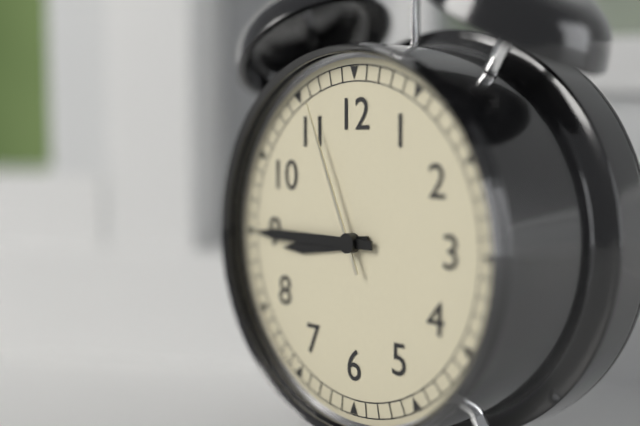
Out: 8h45m56s
